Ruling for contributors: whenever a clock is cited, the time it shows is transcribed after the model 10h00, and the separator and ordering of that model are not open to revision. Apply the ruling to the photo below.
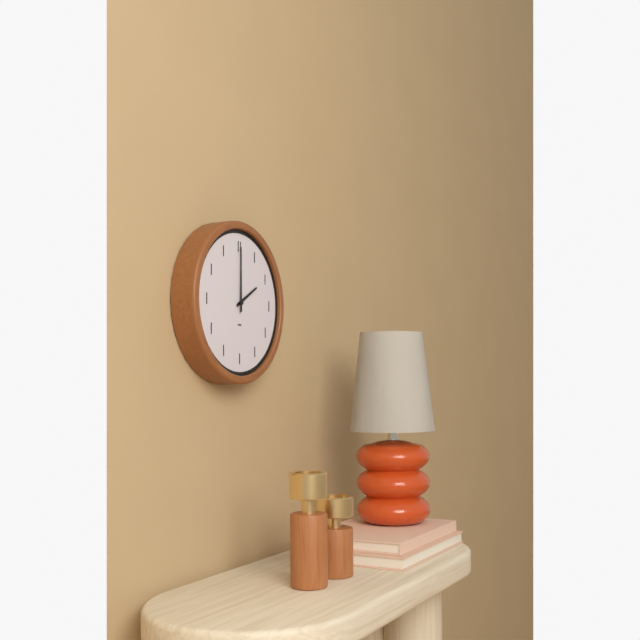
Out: 2h00
